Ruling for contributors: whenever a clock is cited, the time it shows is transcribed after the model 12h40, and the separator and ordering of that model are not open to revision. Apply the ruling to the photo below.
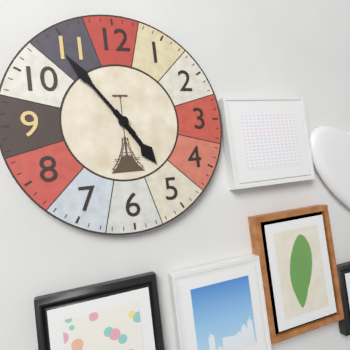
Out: 4h54
